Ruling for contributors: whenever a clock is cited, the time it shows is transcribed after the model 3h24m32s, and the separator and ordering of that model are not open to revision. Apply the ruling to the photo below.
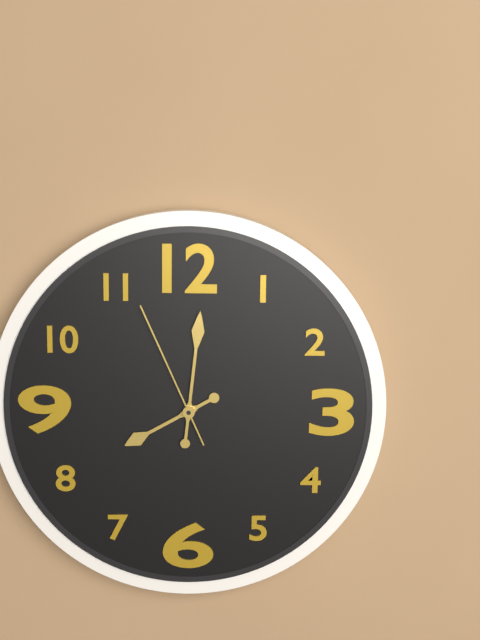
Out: 8h01m56s
